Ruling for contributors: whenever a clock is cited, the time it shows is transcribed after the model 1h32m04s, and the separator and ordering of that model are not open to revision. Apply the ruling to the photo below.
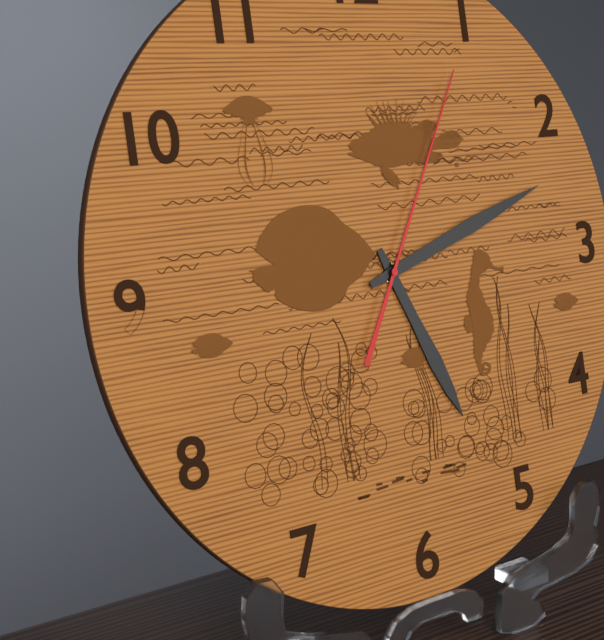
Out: 5h12m05s
